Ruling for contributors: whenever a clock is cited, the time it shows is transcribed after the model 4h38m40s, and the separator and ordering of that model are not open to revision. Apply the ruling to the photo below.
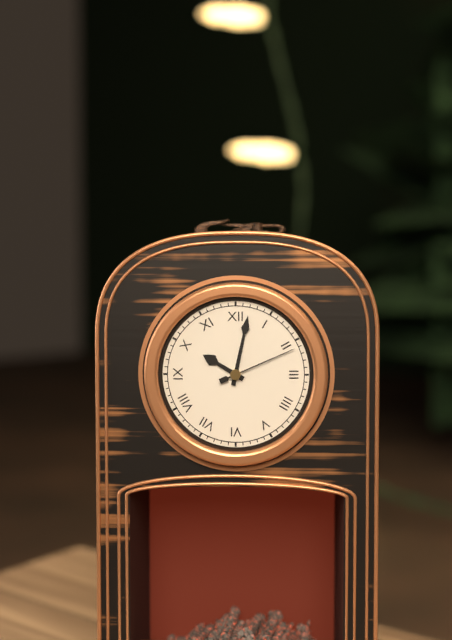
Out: 10h02m11s
